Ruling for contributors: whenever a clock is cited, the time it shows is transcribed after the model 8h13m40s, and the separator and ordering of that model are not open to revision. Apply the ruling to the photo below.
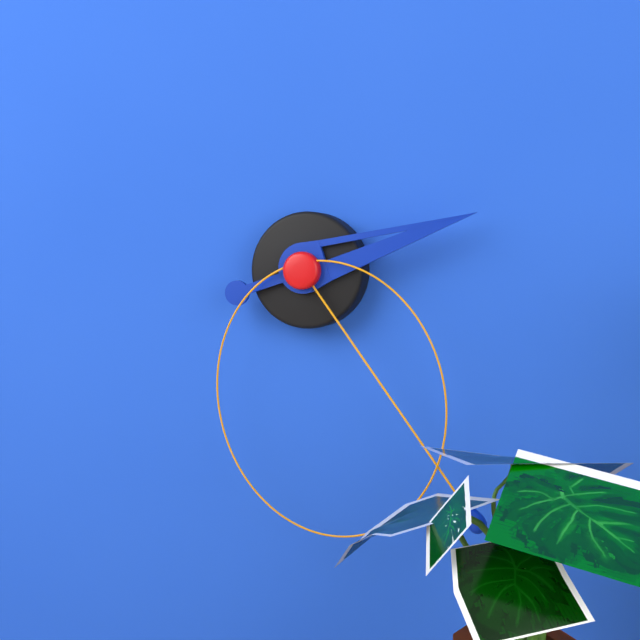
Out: 2h24m28s
